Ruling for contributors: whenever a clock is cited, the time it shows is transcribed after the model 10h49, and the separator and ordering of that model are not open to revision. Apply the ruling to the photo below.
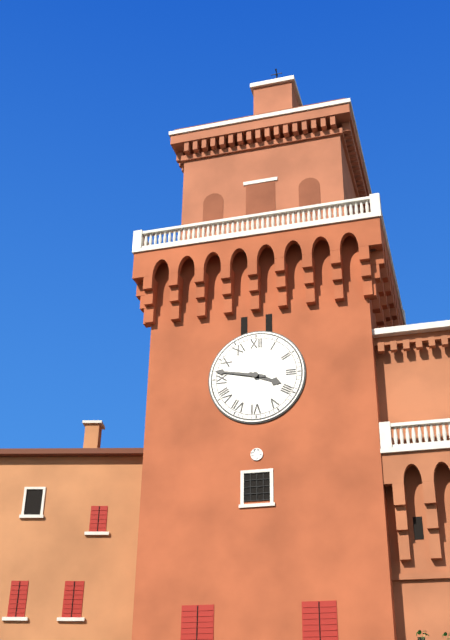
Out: 3h47
